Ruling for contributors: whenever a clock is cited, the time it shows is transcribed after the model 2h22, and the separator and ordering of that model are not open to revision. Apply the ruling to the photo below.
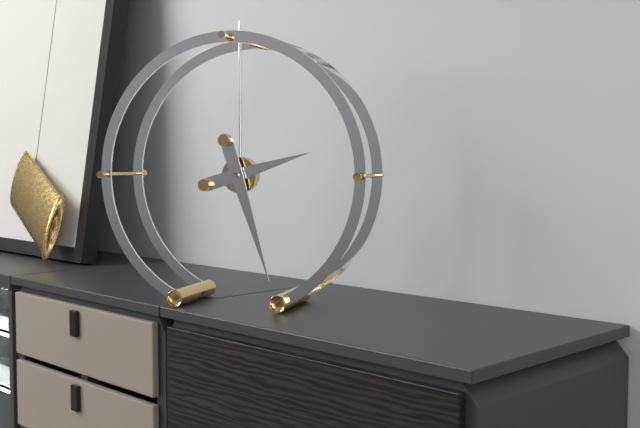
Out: 2h27
